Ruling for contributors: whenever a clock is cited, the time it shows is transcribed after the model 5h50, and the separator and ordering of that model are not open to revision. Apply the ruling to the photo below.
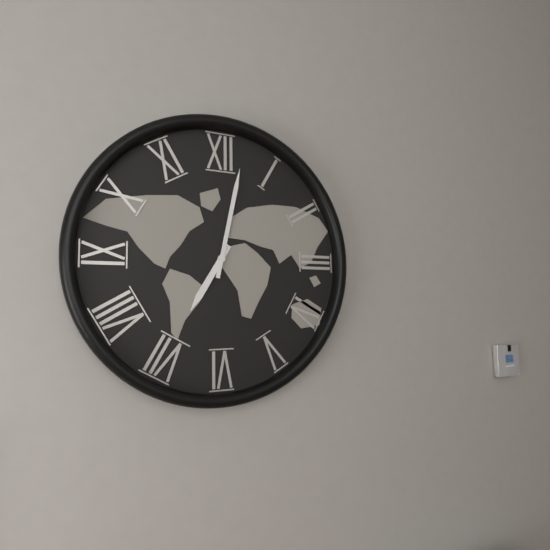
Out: 7h02
